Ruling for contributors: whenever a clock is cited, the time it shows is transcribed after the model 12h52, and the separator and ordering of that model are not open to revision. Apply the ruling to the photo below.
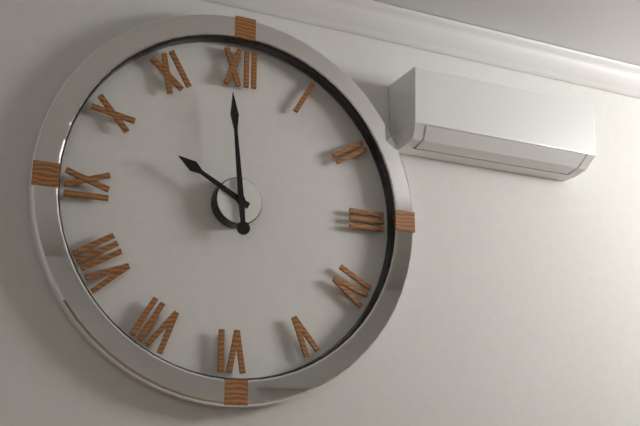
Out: 9h59
